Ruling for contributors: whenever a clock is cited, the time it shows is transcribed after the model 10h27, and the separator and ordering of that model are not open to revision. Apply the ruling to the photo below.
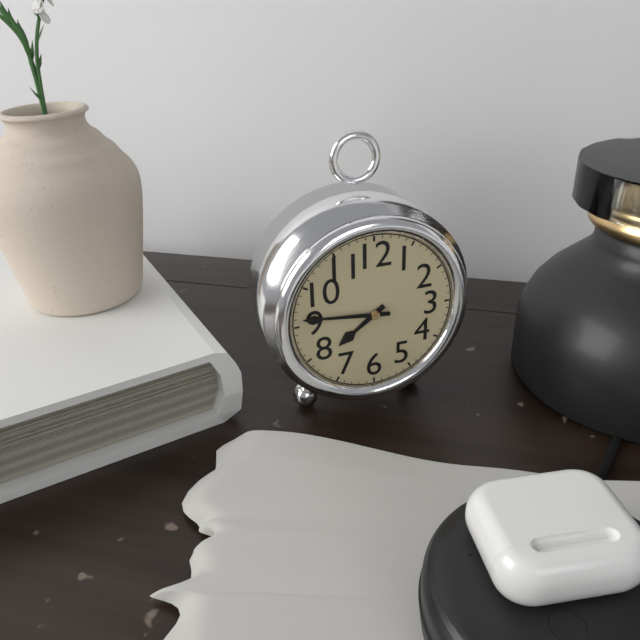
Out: 7h46
